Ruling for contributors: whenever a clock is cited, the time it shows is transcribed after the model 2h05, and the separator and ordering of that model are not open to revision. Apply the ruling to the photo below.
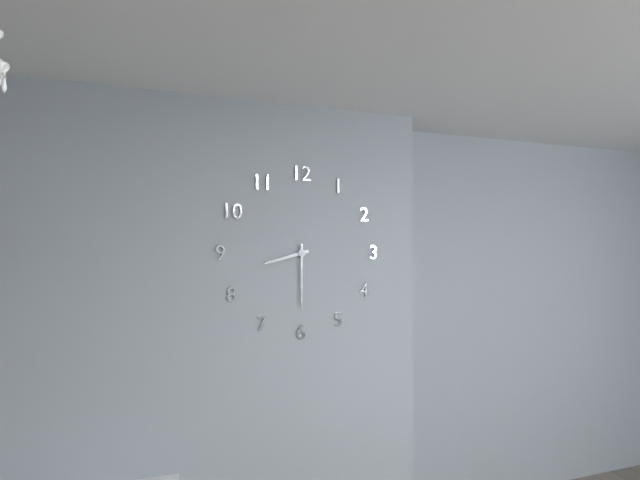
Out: 8h30
